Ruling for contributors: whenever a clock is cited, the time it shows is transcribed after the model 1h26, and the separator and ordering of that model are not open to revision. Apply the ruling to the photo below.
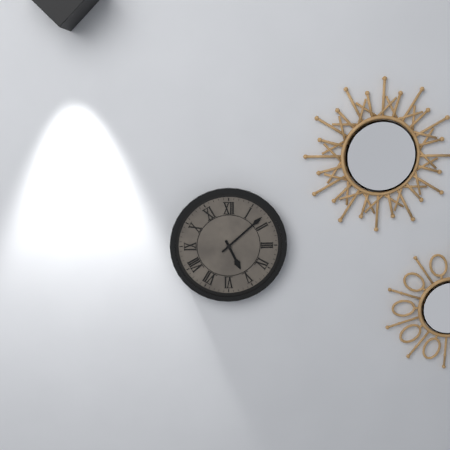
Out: 5h08
